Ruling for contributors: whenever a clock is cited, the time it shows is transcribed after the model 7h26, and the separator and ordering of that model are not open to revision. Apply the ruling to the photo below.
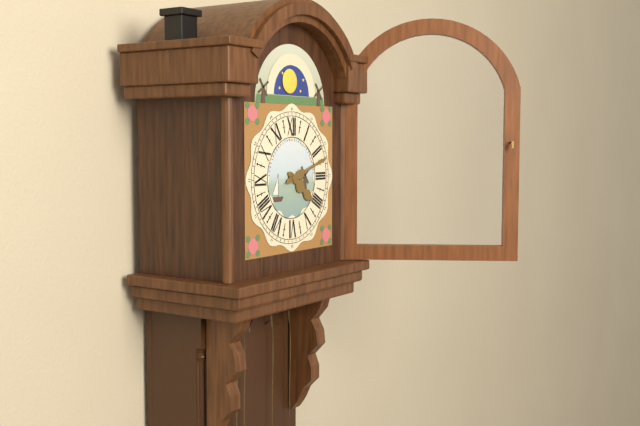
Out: 4h12
